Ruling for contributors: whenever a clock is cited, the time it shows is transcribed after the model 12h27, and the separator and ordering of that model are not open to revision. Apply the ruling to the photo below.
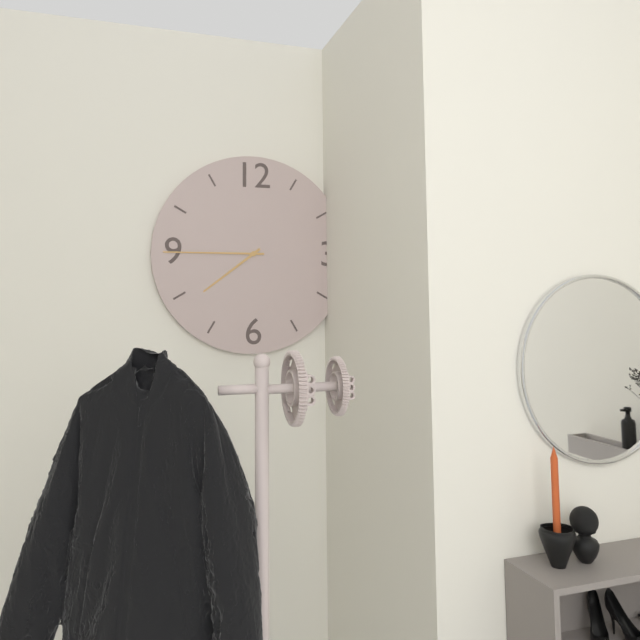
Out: 7h45
